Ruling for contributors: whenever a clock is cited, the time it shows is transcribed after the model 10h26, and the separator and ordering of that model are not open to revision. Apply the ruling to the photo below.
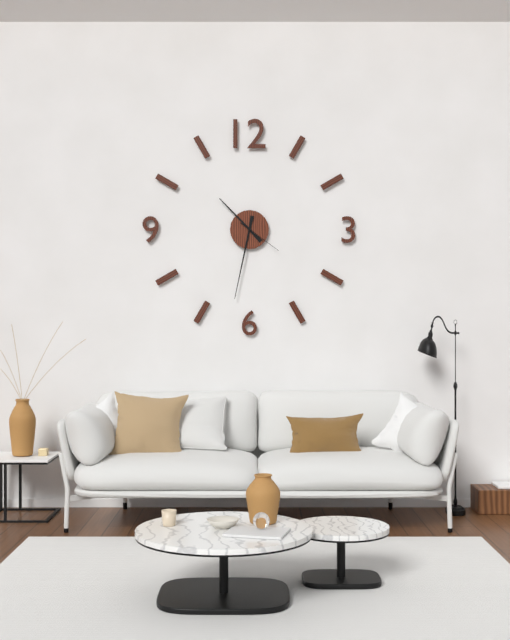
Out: 10h32
